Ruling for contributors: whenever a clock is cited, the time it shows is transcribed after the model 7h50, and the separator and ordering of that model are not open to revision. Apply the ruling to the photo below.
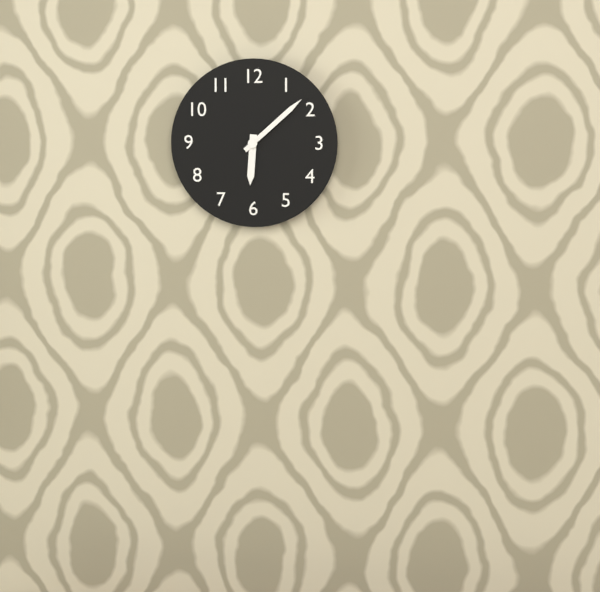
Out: 6h08
